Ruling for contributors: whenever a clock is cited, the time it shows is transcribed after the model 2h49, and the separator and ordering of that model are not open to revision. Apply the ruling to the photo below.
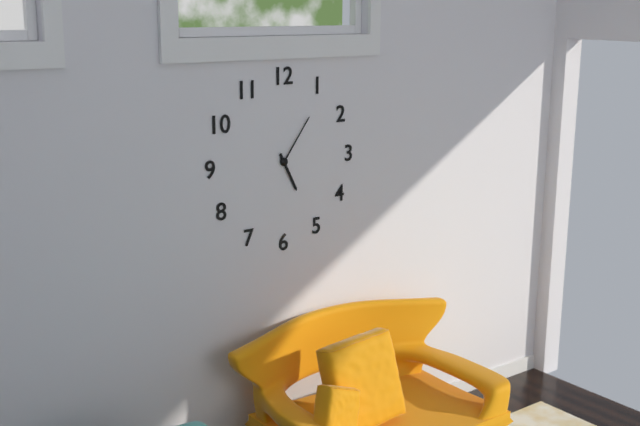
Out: 5h06
